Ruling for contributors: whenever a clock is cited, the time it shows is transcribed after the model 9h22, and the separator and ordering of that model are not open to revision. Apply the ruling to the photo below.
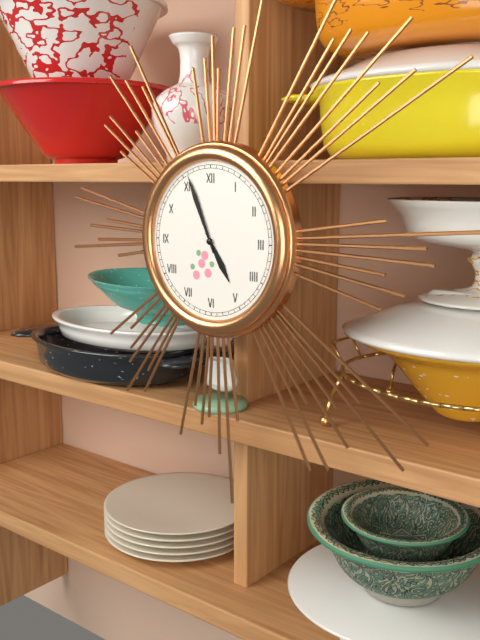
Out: 4h56
